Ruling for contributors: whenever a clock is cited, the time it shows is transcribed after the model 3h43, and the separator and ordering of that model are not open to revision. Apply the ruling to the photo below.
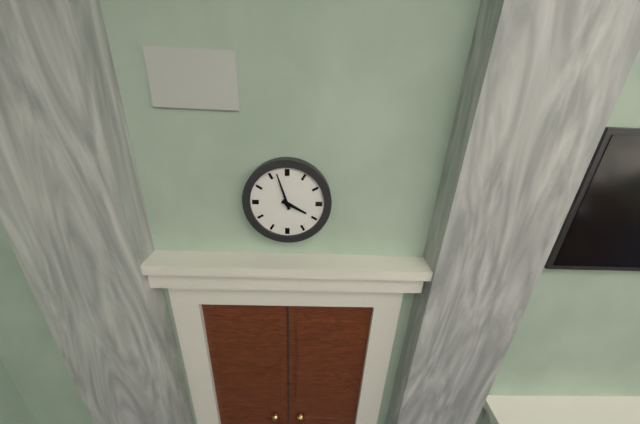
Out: 3h57
